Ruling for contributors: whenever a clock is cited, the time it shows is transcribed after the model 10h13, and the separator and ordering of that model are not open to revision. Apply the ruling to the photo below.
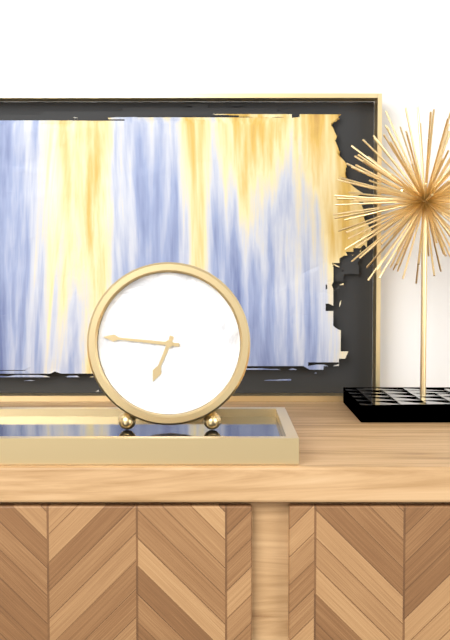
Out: 6h46
